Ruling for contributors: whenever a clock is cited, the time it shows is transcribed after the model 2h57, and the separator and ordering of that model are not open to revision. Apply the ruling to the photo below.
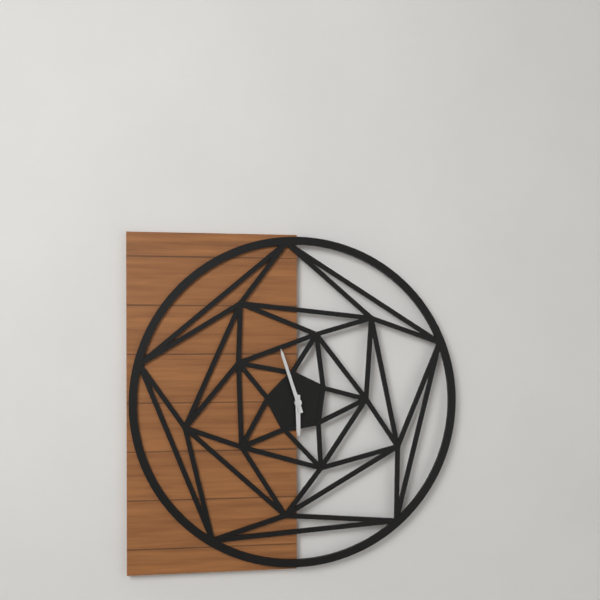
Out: 5h57
